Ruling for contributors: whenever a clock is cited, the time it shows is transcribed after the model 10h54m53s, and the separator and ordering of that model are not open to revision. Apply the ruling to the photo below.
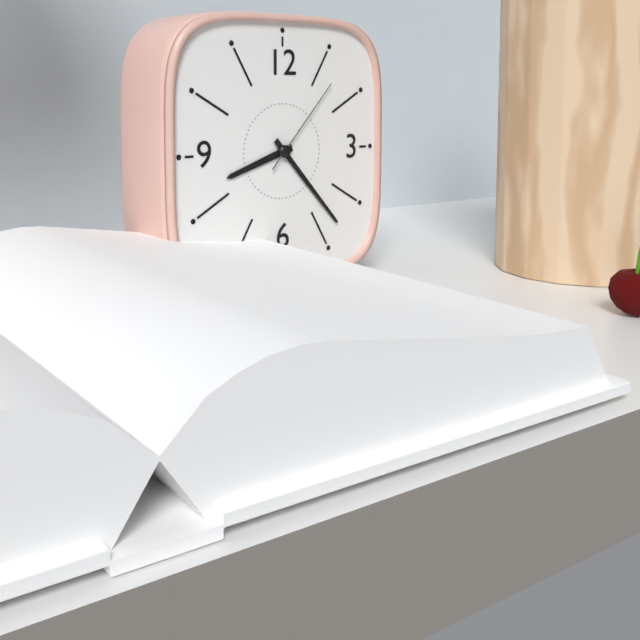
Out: 8h23m07s
